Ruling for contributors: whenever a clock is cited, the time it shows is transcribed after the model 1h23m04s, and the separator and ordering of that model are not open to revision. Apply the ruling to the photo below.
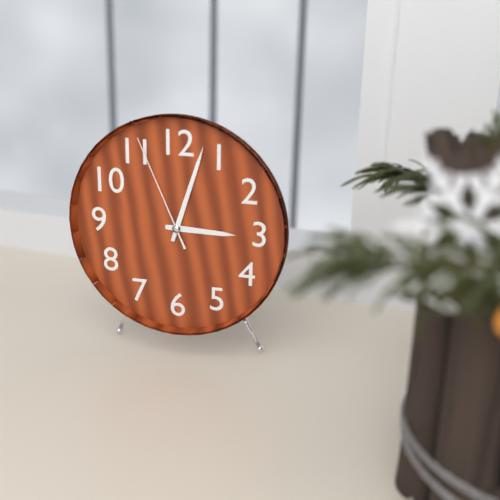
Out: 3h03m56s
